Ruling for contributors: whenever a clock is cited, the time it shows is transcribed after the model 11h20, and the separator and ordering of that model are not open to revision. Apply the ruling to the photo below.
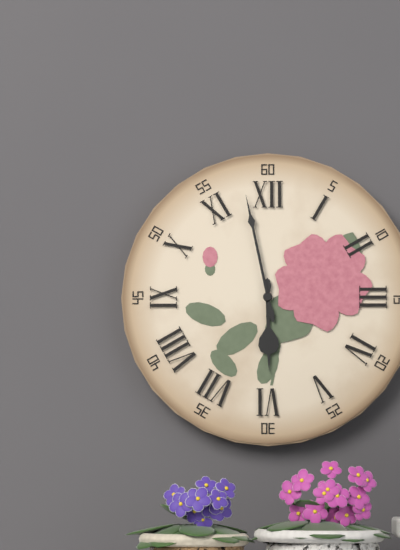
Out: 5h58
